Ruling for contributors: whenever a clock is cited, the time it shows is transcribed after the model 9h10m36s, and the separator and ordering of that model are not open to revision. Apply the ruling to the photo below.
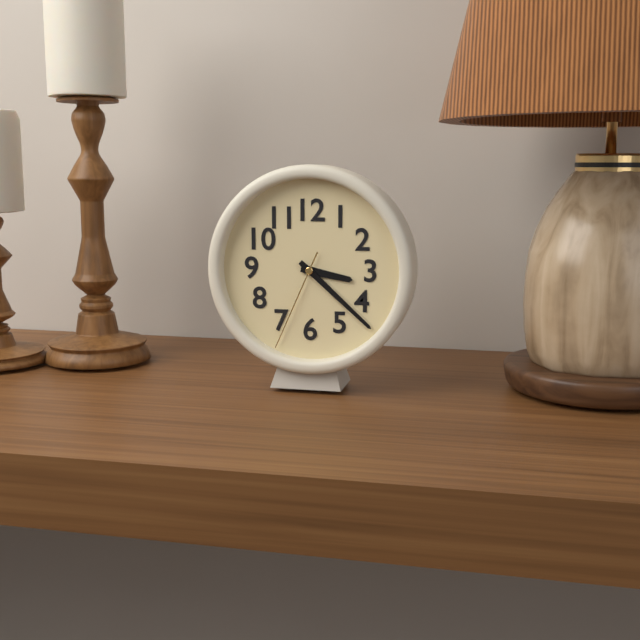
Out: 3h22m34s
